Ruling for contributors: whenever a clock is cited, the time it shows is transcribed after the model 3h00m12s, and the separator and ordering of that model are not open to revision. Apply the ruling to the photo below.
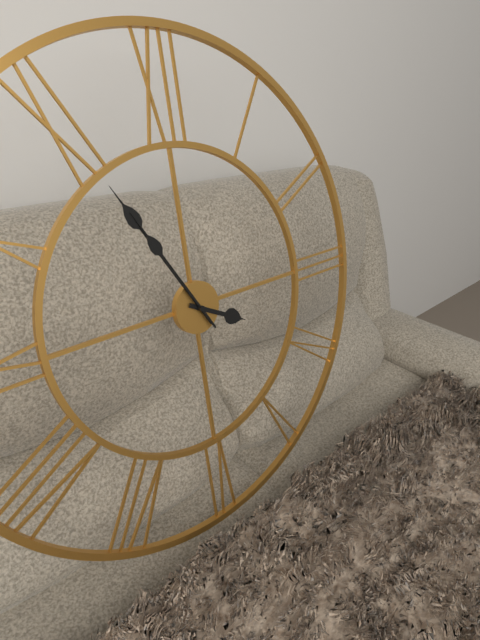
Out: 3h55m55s
